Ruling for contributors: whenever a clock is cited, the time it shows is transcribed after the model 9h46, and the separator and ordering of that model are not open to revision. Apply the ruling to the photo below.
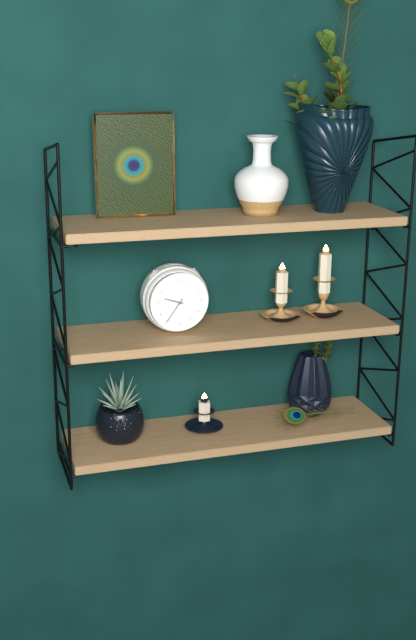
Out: 9h36
